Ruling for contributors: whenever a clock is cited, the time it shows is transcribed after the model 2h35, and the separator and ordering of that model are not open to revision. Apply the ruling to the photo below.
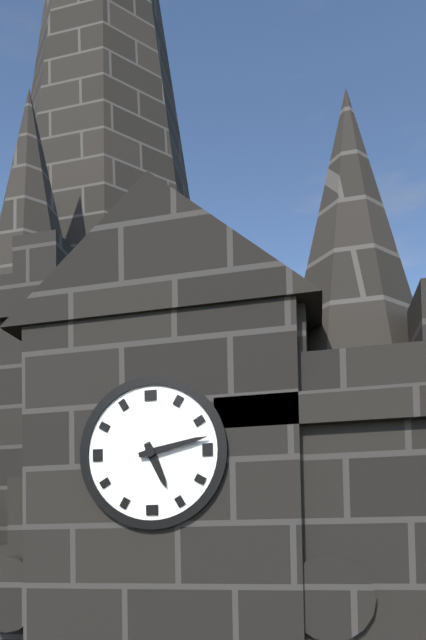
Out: 5h13
